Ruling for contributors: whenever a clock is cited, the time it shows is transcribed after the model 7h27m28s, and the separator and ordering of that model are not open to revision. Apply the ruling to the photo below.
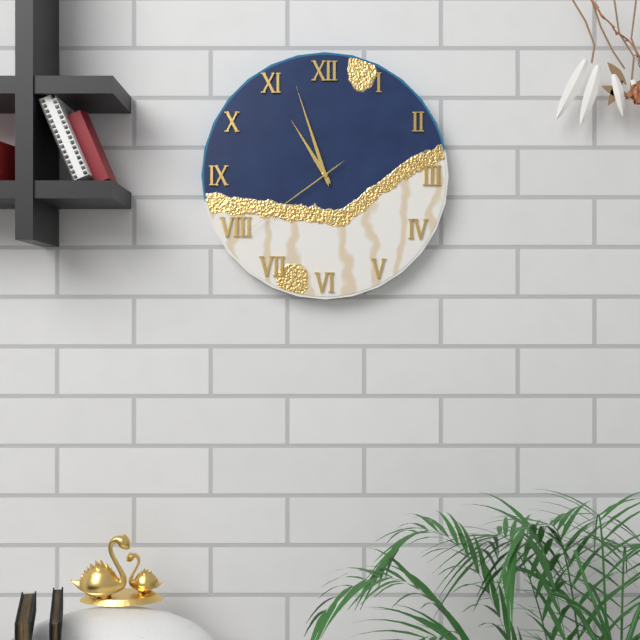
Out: 10h57m39s
